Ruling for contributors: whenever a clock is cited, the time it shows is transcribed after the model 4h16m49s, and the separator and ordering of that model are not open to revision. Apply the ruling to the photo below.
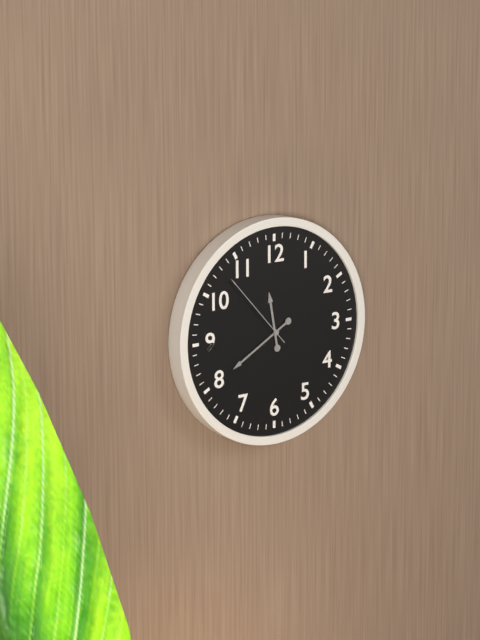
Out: 11h40m53s
